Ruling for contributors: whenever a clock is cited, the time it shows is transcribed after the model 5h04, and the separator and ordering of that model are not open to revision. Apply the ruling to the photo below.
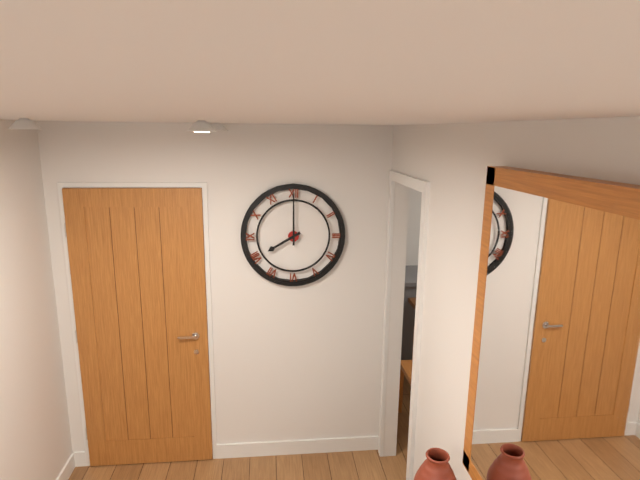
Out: 8h00
